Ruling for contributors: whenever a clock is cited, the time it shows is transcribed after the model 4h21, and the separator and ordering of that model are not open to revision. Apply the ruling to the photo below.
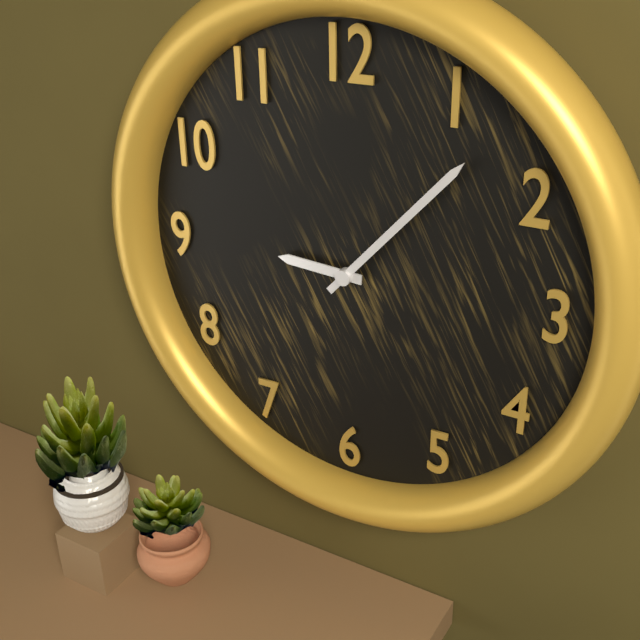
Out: 9h07
